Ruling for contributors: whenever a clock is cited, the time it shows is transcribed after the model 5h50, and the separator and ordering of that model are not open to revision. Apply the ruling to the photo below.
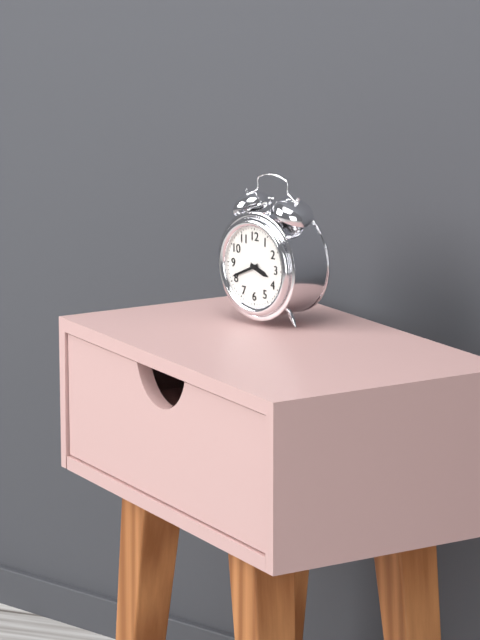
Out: 3h41
